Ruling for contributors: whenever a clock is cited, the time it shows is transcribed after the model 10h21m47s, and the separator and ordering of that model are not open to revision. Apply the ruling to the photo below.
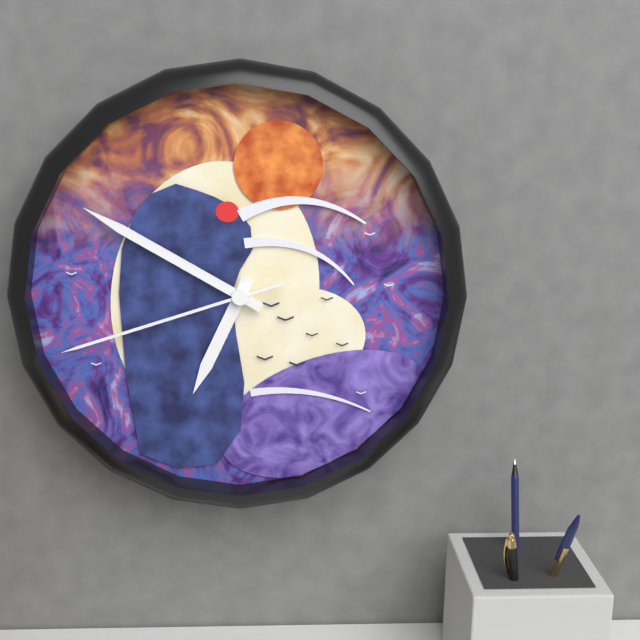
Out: 6h50m42s
